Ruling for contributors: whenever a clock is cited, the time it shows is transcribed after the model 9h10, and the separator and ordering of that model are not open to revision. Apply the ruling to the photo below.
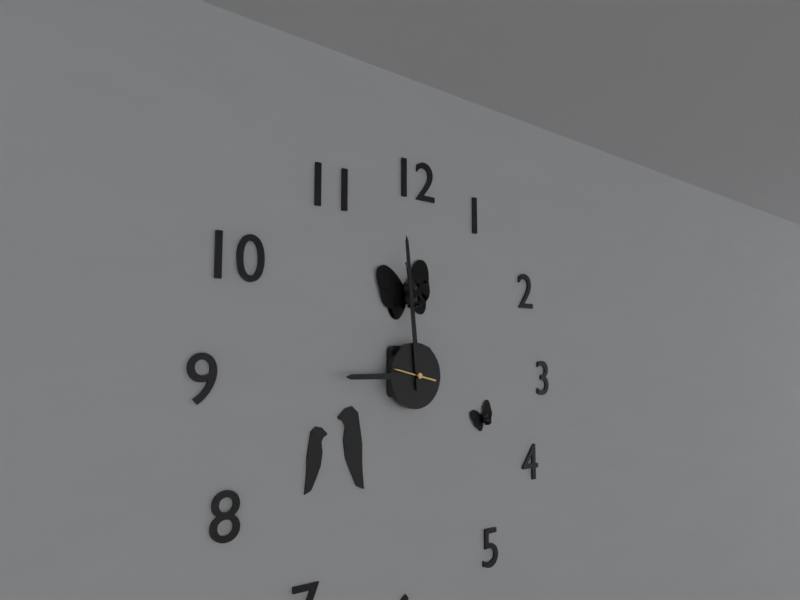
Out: 8h59
